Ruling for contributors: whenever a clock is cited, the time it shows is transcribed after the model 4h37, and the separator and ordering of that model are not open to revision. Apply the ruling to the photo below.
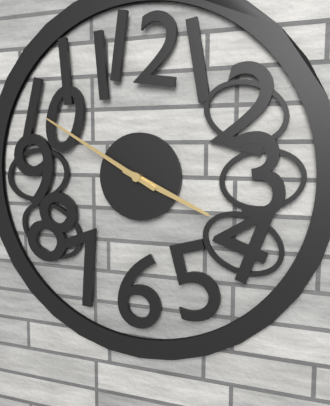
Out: 3h50
